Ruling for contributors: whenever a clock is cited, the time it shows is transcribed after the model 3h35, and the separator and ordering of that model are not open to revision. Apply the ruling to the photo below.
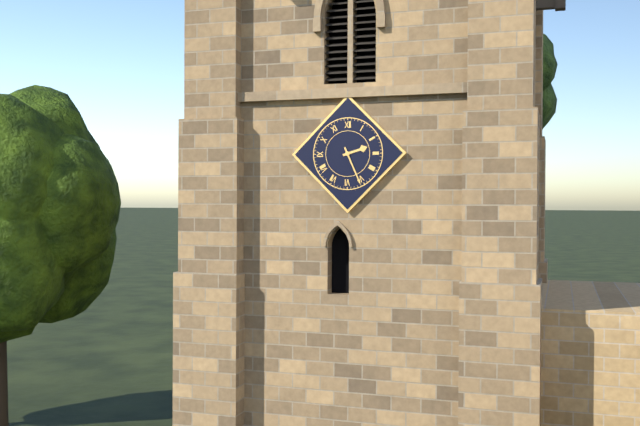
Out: 2h26
